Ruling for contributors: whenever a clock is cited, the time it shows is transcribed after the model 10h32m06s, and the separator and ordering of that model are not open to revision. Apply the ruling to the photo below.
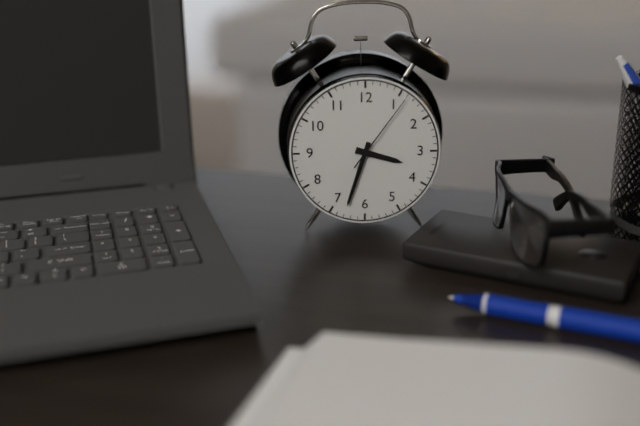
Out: 3h33m06s
